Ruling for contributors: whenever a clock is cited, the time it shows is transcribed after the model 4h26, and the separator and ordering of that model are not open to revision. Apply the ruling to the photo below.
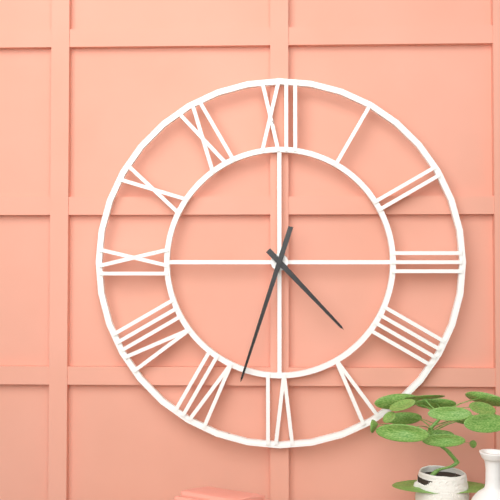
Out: 4h33
